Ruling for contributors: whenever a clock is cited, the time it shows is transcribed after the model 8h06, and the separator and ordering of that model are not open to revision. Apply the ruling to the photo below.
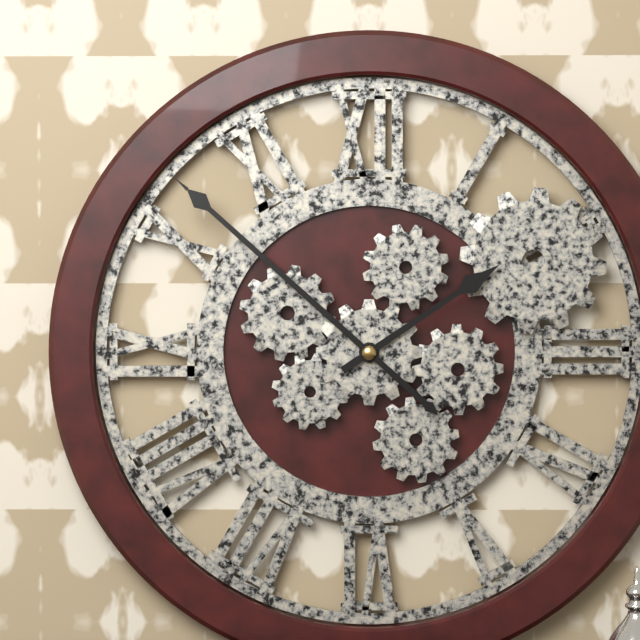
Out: 1h52
